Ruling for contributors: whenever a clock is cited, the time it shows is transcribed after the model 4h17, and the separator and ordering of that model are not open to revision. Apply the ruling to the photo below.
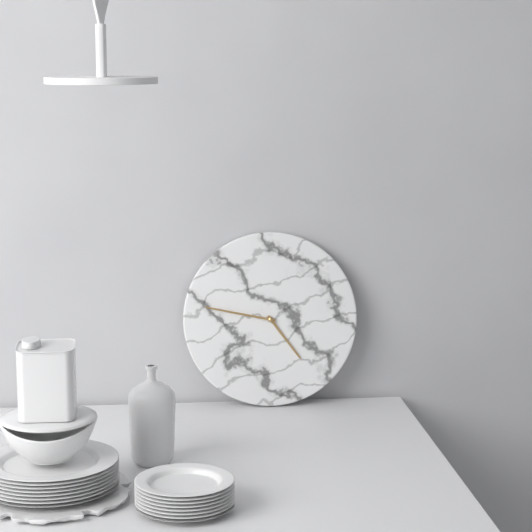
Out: 4h47
